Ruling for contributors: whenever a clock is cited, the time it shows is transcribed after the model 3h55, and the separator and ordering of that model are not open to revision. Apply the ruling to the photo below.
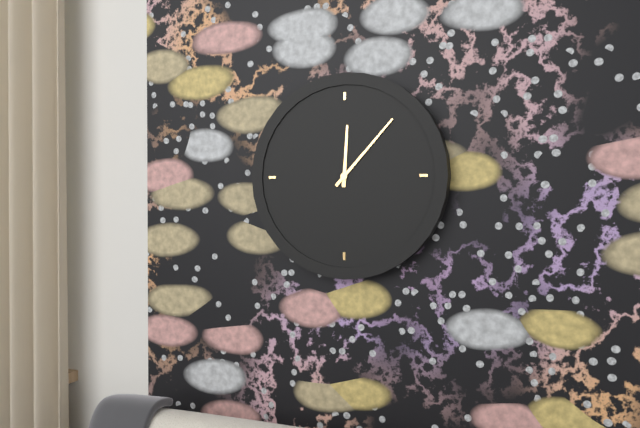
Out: 12h07
